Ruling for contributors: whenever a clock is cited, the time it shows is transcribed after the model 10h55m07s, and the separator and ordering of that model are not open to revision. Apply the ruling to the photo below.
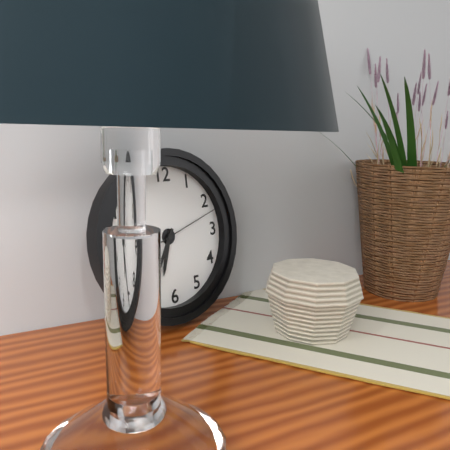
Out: 6h35m12s
